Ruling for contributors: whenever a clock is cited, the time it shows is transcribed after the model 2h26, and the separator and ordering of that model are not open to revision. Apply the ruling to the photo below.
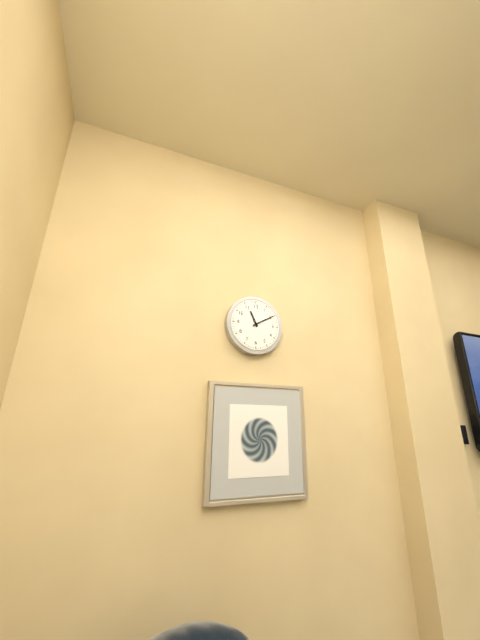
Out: 11h10
